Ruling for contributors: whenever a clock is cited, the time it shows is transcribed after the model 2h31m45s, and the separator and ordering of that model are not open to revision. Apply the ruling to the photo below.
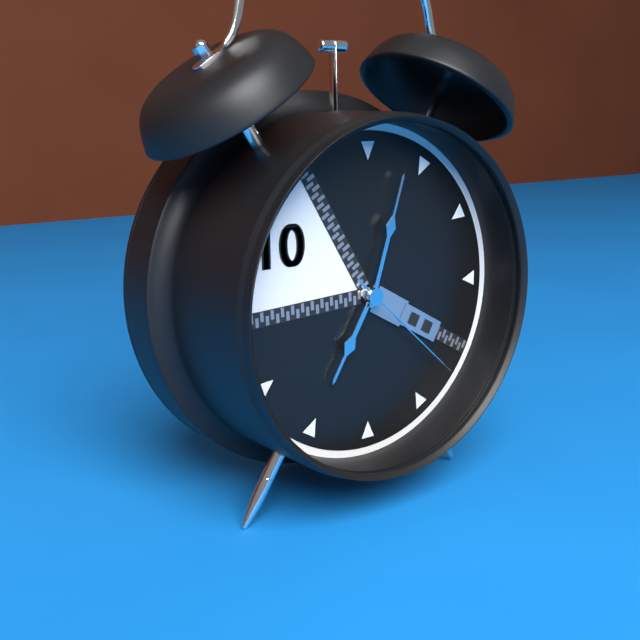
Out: 7h03m22s
